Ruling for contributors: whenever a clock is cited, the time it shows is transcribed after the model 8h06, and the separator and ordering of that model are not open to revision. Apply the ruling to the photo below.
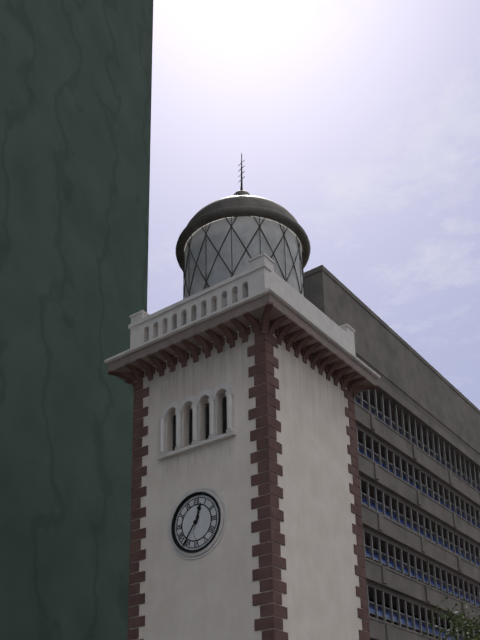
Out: 12h36
